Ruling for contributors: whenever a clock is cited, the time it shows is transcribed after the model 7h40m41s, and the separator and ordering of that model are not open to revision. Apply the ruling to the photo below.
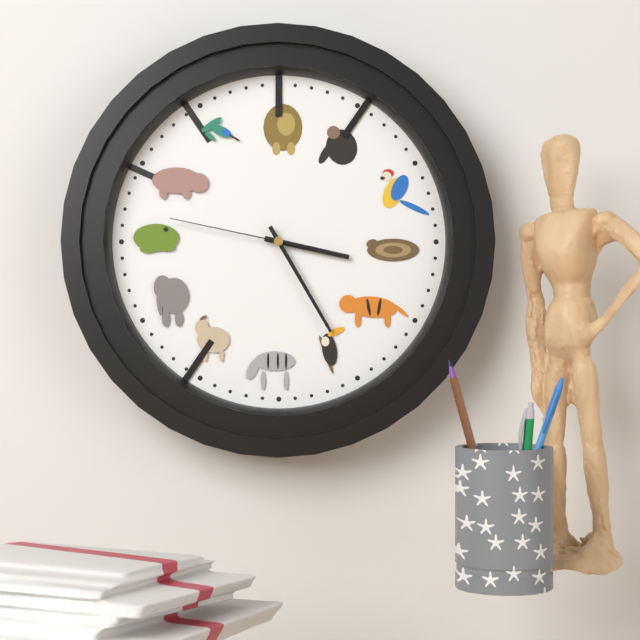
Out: 3h25m47s
